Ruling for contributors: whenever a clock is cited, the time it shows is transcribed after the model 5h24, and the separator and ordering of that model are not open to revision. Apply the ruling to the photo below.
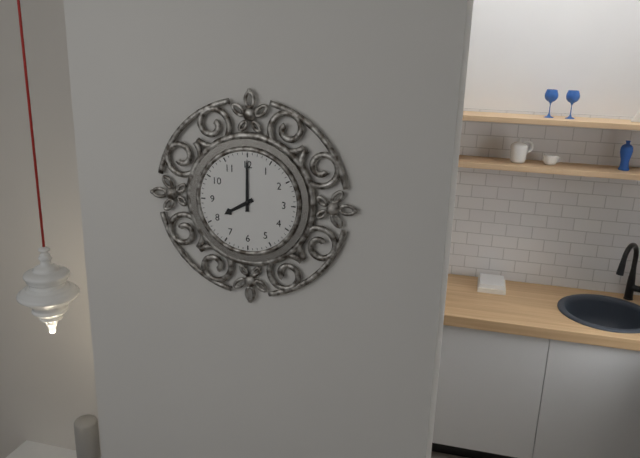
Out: 8h00
